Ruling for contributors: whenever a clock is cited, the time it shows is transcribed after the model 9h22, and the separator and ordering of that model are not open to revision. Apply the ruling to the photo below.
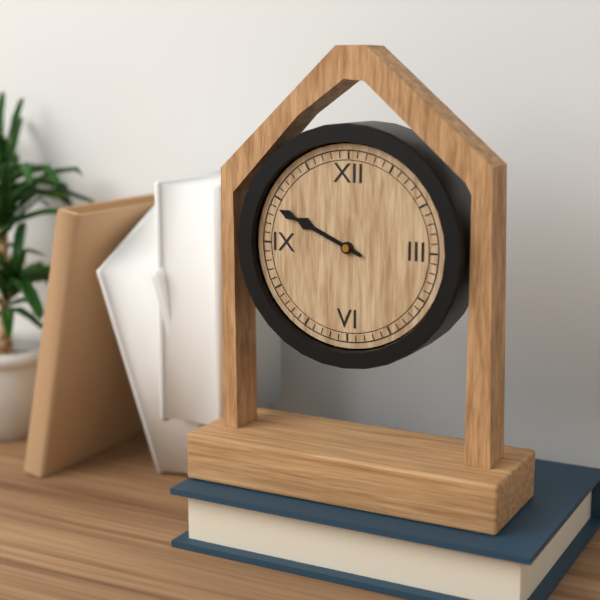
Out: 9h49
